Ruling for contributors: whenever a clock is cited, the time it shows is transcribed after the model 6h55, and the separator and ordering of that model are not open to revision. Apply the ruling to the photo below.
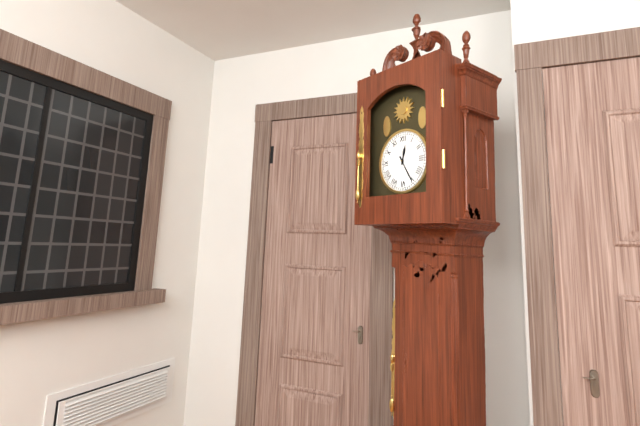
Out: 12h25
